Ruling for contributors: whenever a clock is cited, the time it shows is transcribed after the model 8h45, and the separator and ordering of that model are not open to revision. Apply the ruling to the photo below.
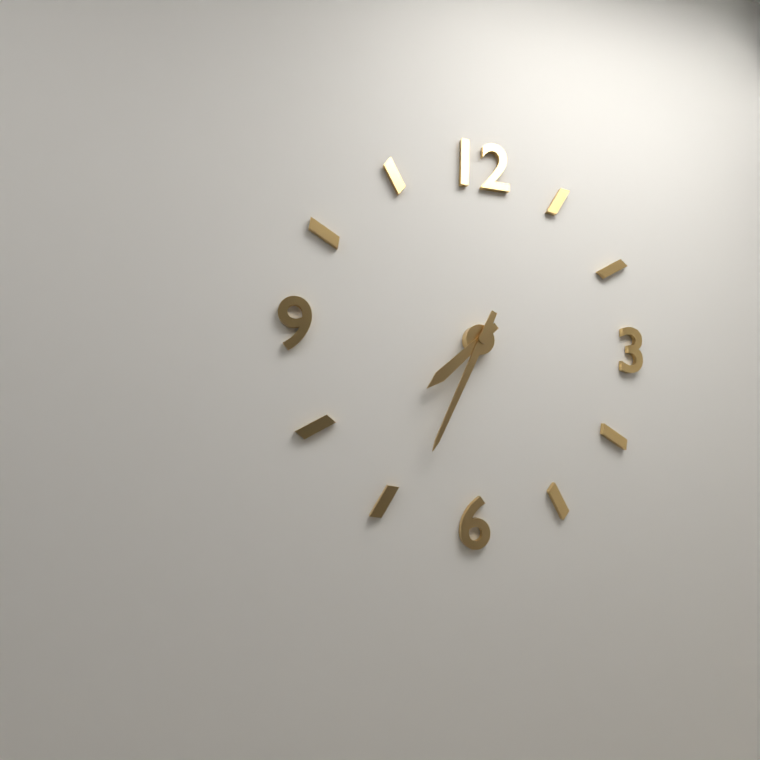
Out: 7h34
